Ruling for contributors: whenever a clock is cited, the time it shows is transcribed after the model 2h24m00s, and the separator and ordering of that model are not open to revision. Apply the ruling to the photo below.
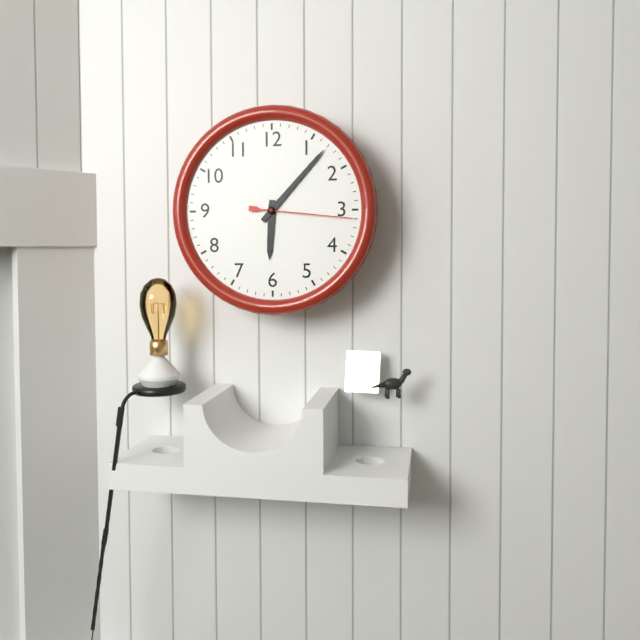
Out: 6h07m16s
